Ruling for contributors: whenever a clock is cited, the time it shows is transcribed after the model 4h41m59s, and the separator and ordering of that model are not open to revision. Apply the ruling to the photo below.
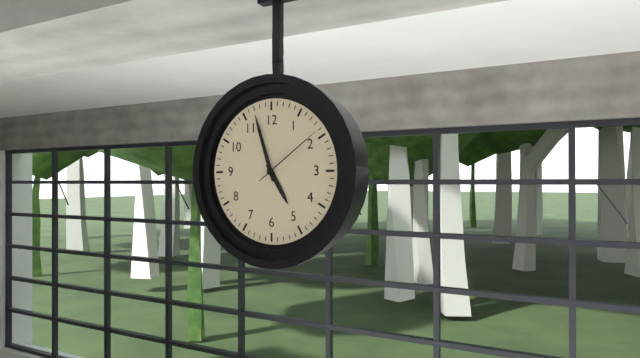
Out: 4h57m09s
